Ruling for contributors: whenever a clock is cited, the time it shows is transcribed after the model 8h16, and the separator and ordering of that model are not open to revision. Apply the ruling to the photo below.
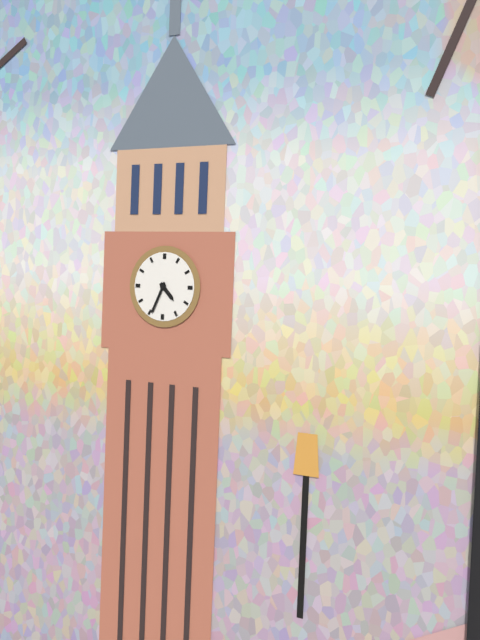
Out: 4h34
